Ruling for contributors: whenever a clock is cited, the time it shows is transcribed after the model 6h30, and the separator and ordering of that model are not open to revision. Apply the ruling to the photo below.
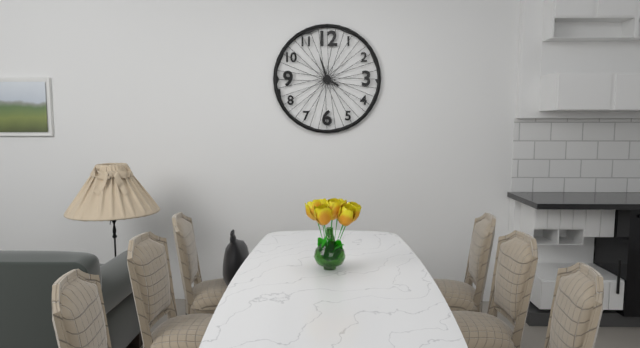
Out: 3h57
